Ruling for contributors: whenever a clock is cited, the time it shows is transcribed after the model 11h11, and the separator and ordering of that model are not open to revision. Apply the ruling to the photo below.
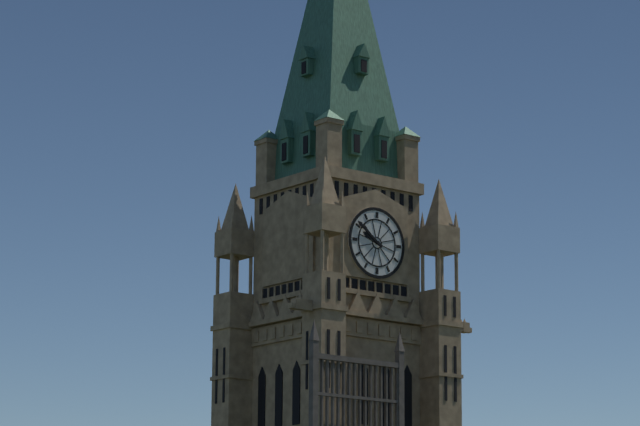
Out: 9h51
